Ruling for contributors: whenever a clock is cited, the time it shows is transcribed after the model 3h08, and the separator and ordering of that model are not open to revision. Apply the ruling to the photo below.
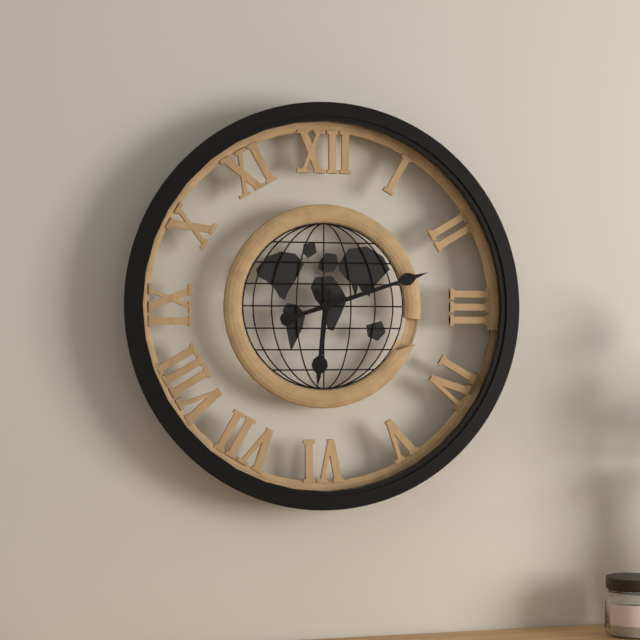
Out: 6h12
